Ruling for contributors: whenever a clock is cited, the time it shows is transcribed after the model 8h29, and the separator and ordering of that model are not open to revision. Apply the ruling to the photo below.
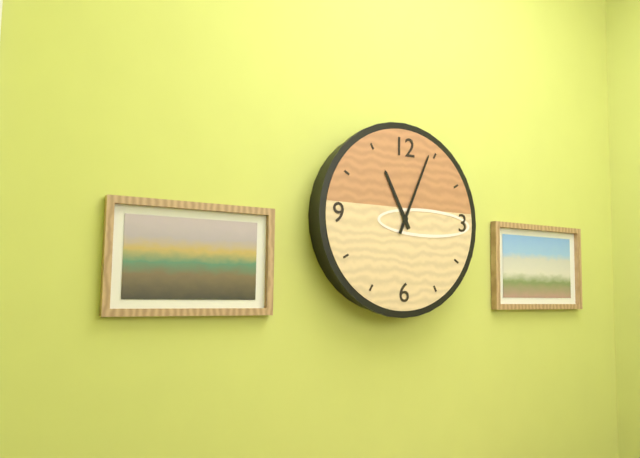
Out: 11h04
